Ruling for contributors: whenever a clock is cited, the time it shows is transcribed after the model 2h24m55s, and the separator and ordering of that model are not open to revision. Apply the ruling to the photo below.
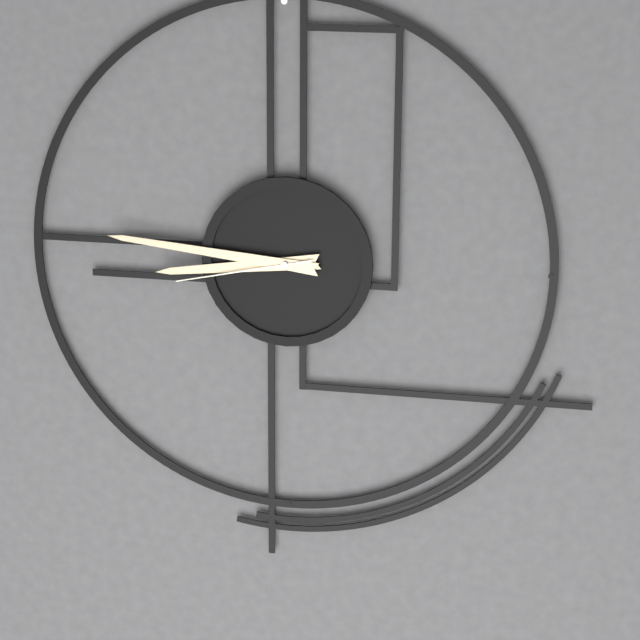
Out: 8h46m43s
